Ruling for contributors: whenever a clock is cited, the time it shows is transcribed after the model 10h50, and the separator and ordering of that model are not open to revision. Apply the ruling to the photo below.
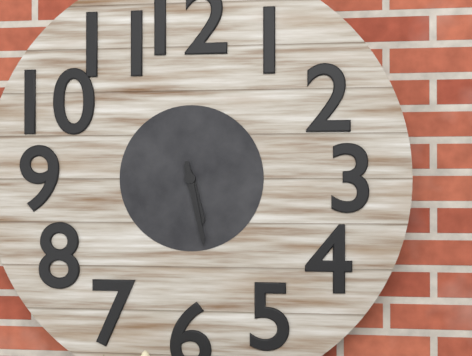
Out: 5h28
